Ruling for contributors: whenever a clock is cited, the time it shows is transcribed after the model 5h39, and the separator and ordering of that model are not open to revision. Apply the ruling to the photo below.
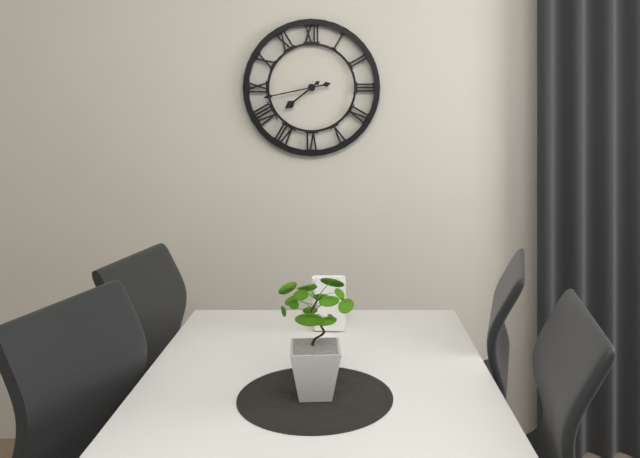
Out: 7h43
